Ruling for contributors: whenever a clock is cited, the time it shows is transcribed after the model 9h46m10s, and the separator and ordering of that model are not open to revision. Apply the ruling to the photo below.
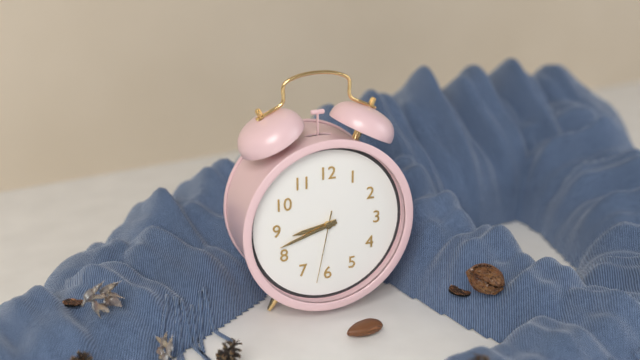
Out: 8h42m32s
